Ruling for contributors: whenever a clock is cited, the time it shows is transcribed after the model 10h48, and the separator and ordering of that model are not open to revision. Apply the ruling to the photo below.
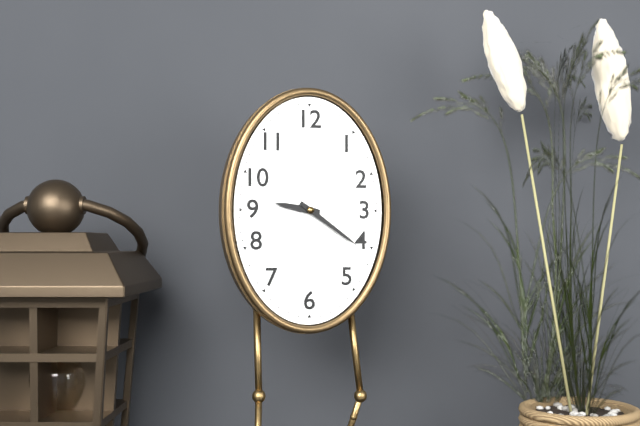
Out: 9h21
